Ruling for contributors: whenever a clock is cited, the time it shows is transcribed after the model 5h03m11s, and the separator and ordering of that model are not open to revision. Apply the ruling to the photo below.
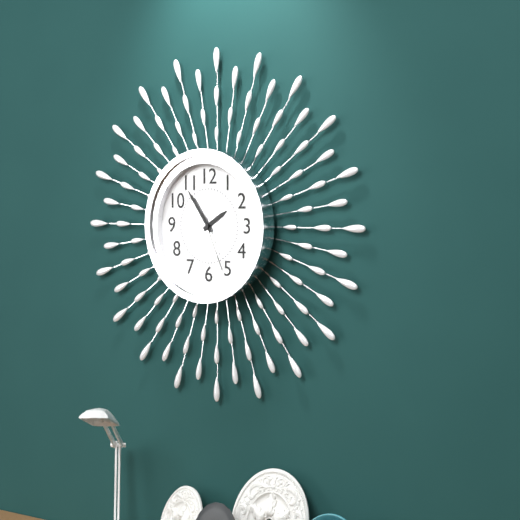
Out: 1h54m26s
